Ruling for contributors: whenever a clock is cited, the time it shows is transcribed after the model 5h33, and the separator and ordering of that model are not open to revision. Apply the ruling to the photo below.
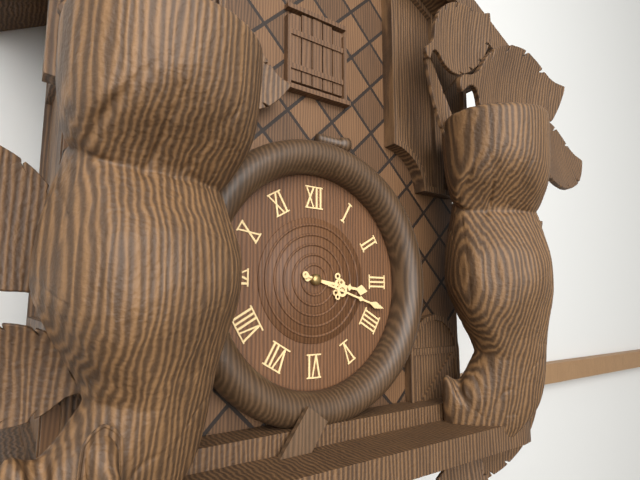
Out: 3h18
